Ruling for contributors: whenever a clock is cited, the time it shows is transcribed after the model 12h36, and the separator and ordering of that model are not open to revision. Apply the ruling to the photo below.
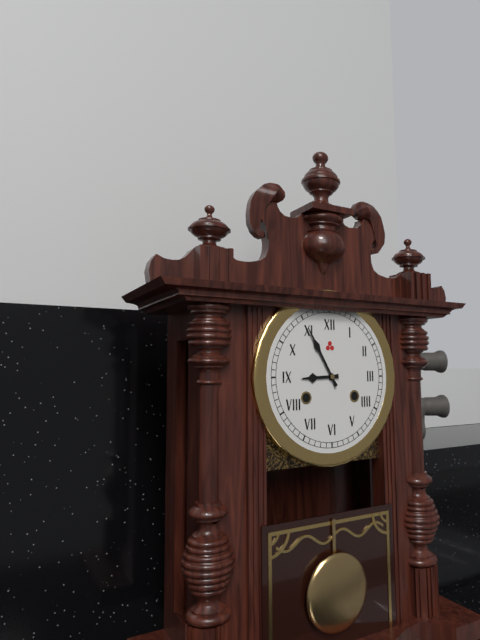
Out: 8h55
